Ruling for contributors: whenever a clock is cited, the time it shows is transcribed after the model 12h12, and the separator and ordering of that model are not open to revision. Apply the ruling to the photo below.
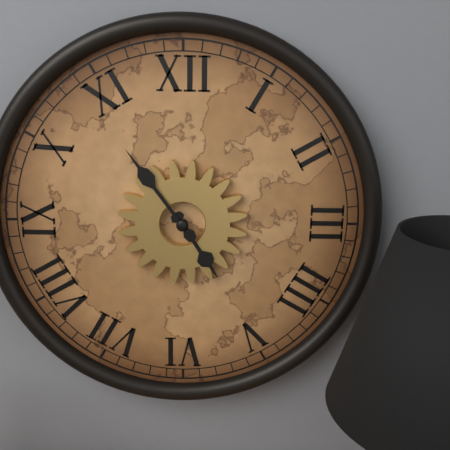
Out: 4h54
